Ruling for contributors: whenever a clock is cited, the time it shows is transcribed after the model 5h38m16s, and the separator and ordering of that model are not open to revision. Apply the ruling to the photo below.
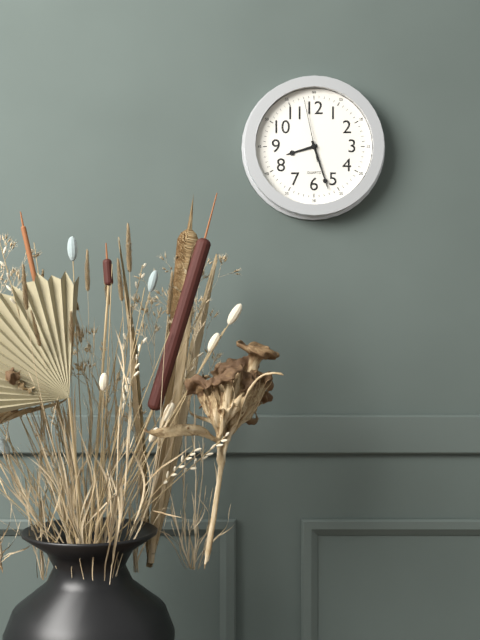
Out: 8h27m58s
